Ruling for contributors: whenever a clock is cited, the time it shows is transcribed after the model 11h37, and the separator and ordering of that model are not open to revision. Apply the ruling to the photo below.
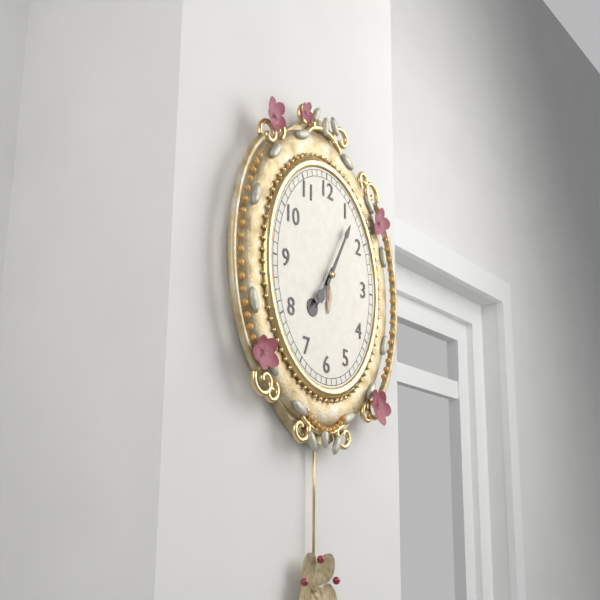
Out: 7h05
